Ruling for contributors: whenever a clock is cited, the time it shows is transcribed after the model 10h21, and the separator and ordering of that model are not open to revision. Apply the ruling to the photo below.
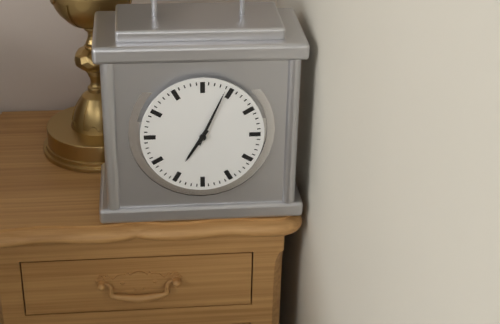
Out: 7h04
